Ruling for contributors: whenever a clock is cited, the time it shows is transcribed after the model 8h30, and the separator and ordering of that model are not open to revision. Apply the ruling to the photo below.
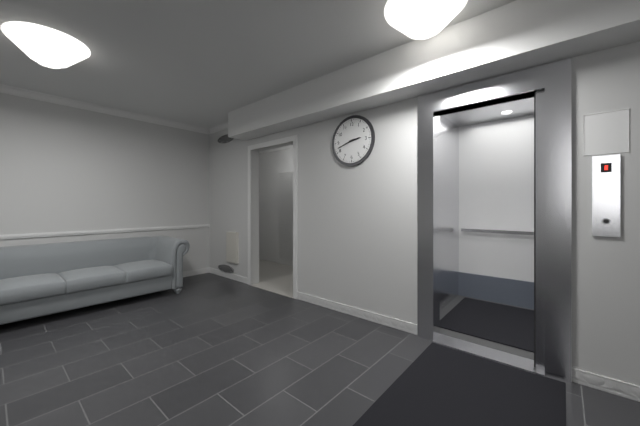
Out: 2h42
